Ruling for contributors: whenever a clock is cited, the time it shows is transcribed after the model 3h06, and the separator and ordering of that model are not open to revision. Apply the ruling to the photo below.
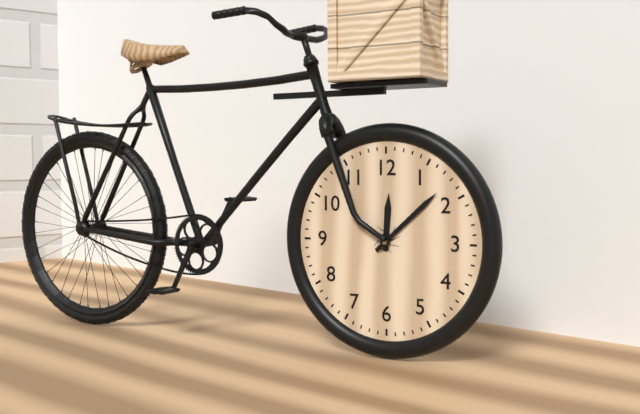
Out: 12h08
